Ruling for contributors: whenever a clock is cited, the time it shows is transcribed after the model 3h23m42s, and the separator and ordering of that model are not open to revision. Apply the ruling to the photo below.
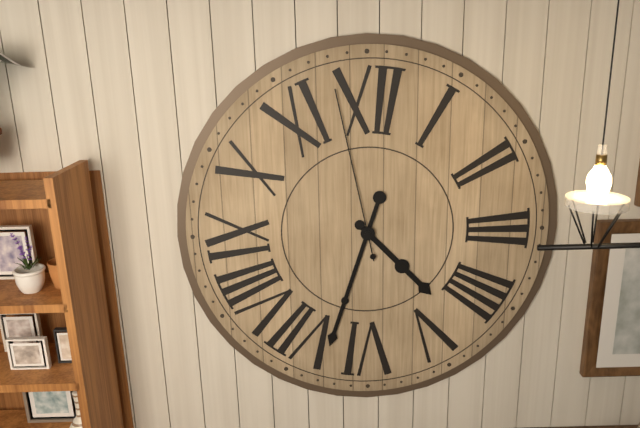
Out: 4h33m58s
